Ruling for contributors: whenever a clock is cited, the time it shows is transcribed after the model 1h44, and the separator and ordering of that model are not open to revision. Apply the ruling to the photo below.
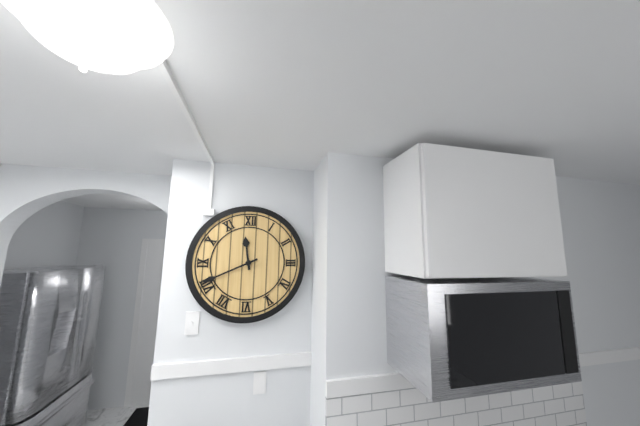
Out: 11h41
